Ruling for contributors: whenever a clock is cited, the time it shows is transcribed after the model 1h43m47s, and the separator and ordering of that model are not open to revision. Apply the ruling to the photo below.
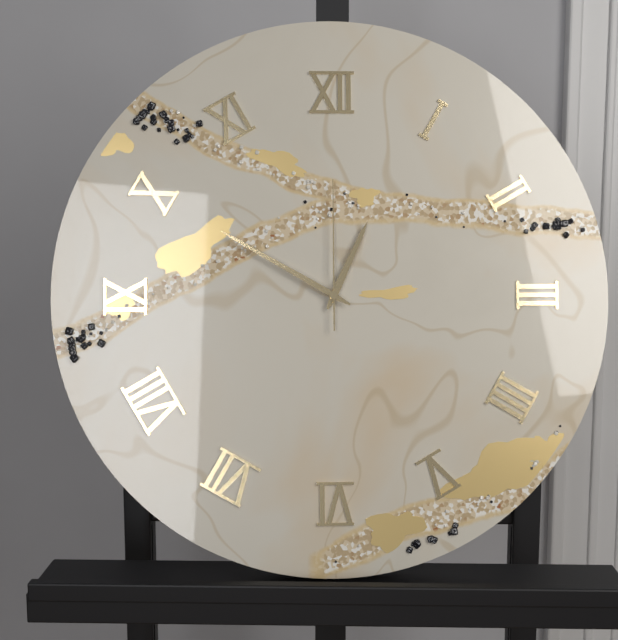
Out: 12h50m00s
